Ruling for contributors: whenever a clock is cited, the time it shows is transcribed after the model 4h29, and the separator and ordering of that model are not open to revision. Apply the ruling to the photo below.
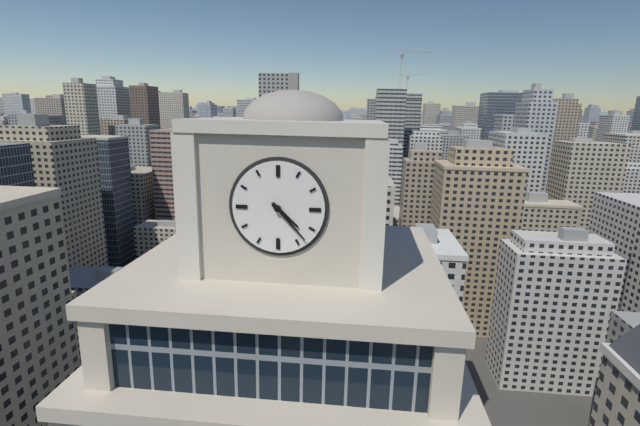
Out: 4h23
